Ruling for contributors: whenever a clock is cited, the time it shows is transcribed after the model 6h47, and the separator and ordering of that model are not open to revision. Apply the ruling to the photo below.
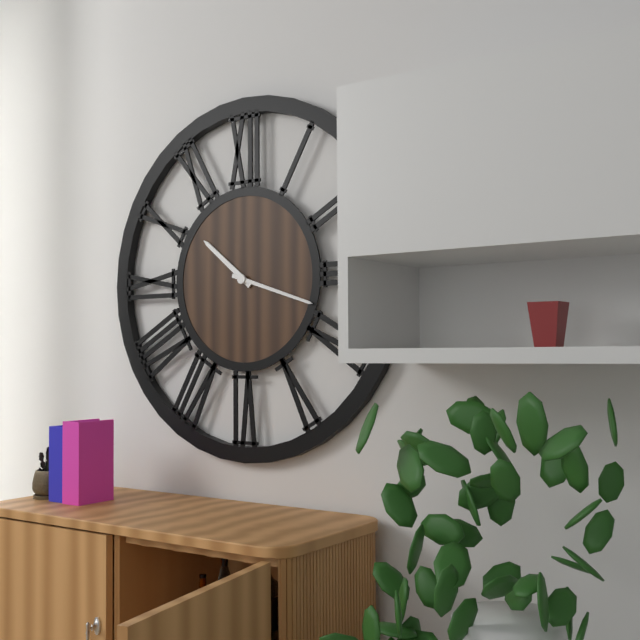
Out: 10h18
